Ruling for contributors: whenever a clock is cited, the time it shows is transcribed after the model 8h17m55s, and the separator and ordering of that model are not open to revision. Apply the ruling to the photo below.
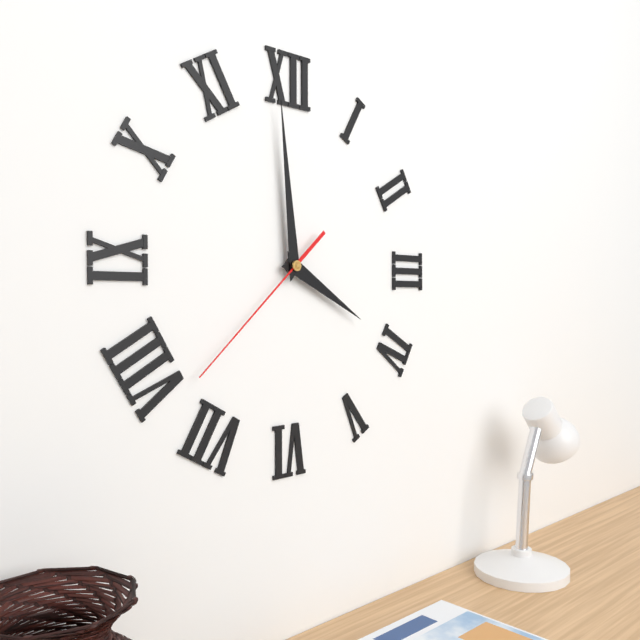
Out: 3h59m38s
